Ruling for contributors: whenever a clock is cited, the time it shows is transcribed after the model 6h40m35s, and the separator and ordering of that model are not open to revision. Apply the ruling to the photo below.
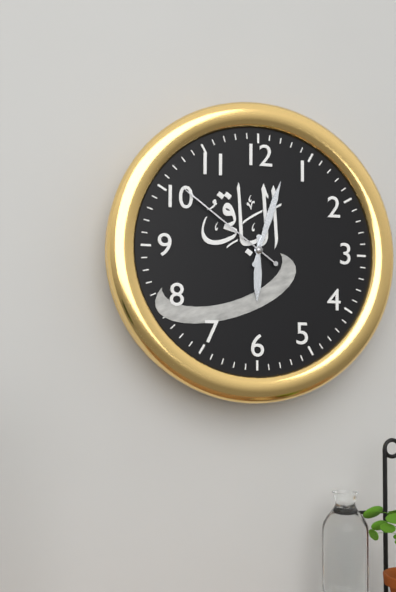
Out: 6h03m51s
